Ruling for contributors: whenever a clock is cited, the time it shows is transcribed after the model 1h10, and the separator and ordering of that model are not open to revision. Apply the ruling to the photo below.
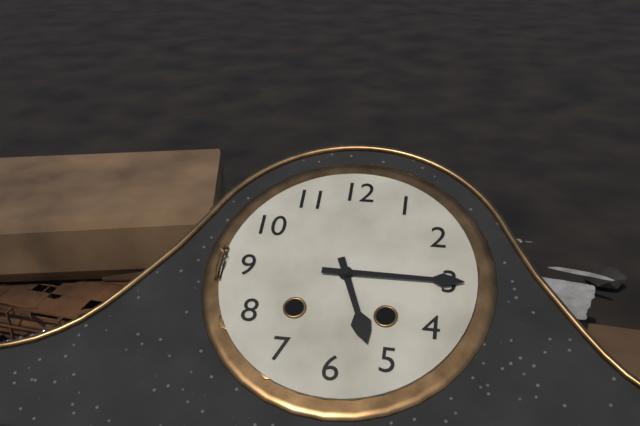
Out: 5h15
